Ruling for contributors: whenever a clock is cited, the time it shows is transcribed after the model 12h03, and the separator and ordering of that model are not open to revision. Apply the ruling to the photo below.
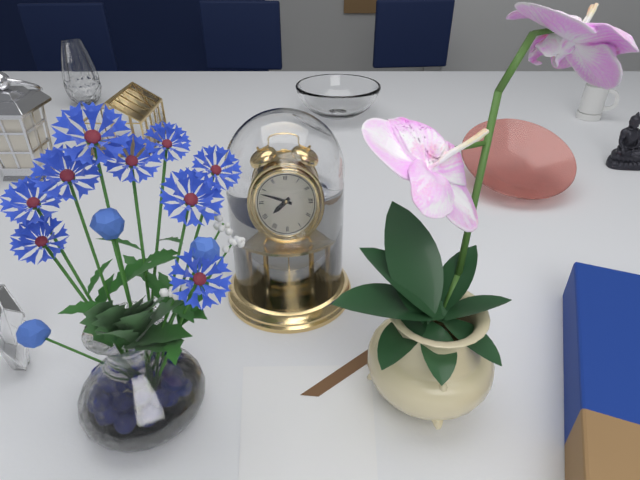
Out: 7h48
